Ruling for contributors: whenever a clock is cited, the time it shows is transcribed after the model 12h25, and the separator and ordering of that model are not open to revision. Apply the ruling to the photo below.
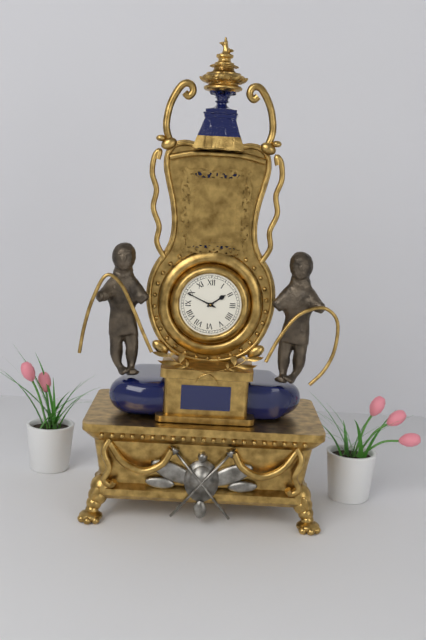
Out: 1h49
